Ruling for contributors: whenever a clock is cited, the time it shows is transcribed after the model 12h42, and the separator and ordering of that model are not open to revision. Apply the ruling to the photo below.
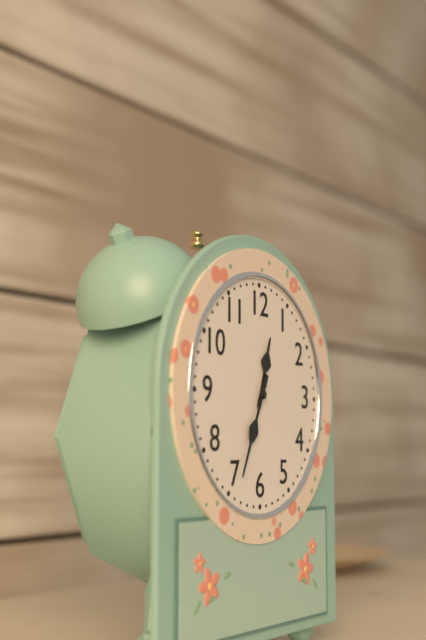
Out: 12h34
